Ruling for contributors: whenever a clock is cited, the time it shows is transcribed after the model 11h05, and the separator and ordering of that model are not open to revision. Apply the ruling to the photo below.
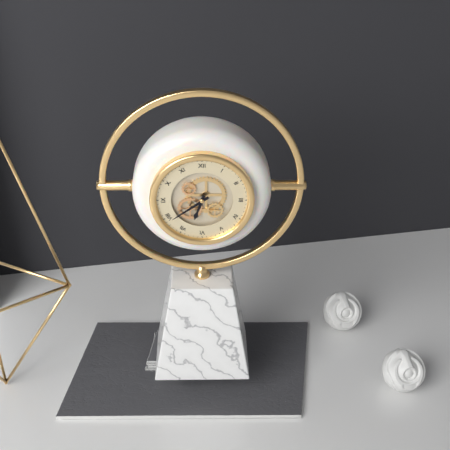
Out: 6h39
